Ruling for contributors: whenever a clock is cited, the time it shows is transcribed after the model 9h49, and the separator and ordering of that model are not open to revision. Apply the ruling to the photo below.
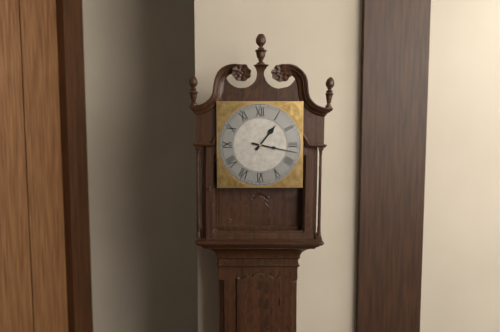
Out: 1h17
